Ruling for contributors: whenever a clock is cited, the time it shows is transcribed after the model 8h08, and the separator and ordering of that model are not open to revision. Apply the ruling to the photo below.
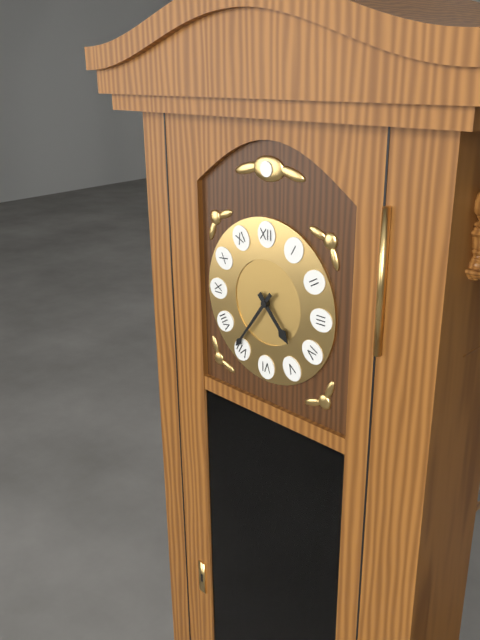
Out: 4h36
